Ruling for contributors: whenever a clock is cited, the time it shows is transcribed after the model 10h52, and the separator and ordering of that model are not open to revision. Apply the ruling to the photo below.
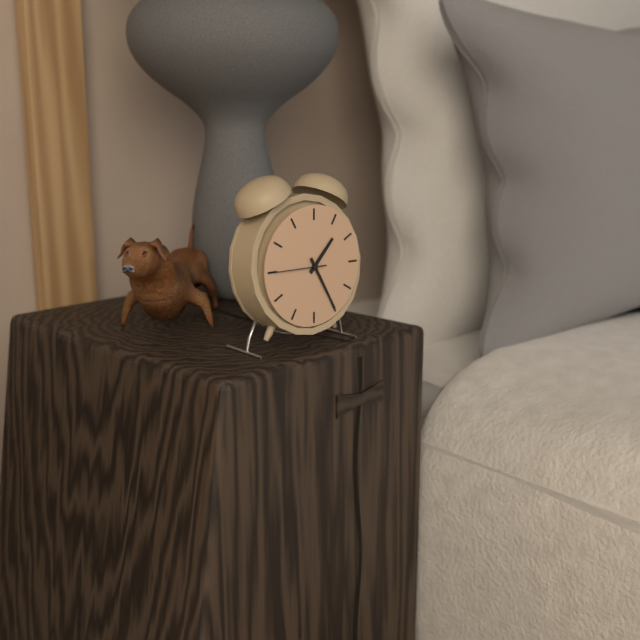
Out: 1h25
